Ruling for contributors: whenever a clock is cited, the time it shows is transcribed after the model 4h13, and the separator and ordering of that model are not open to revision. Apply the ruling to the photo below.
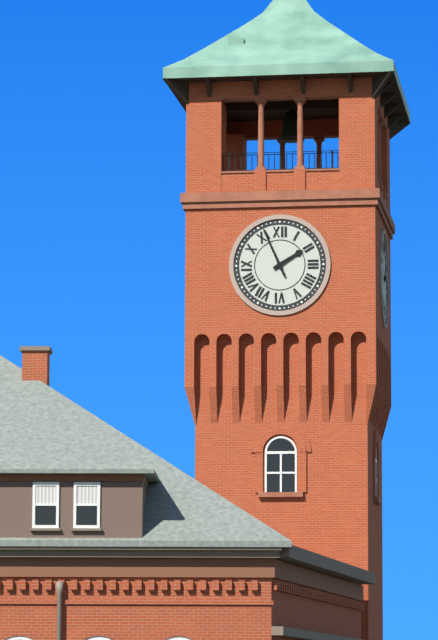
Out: 1h56
